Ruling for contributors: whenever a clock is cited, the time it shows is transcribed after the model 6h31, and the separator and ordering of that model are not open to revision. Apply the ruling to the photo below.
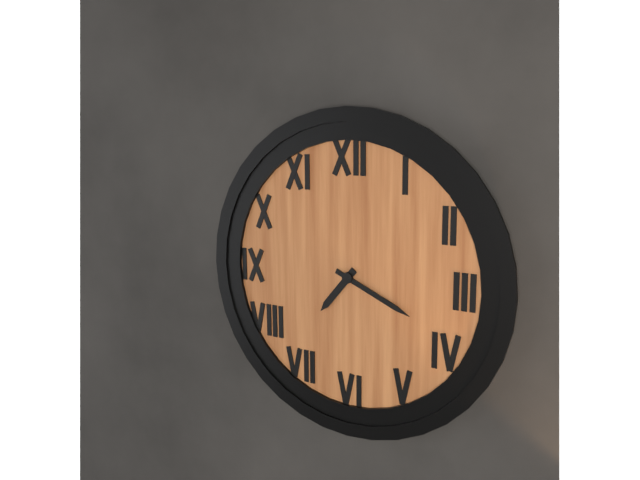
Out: 7h19
